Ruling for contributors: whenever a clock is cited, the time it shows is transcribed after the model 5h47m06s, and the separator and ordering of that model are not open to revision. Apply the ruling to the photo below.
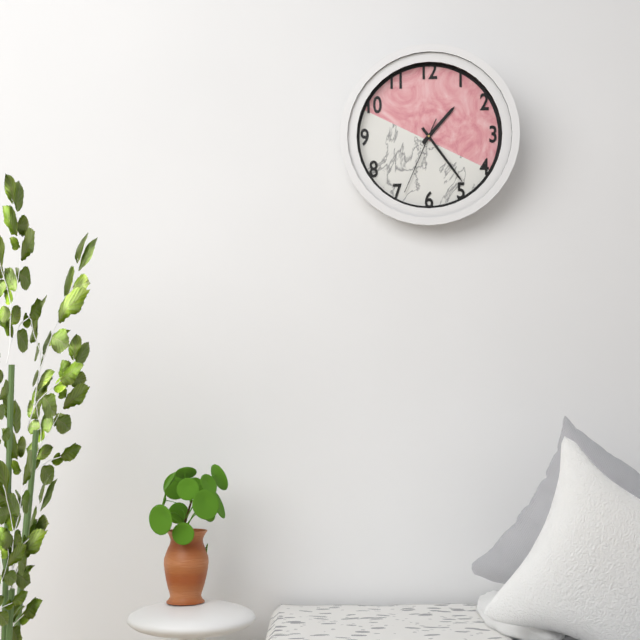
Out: 1h24m34s
